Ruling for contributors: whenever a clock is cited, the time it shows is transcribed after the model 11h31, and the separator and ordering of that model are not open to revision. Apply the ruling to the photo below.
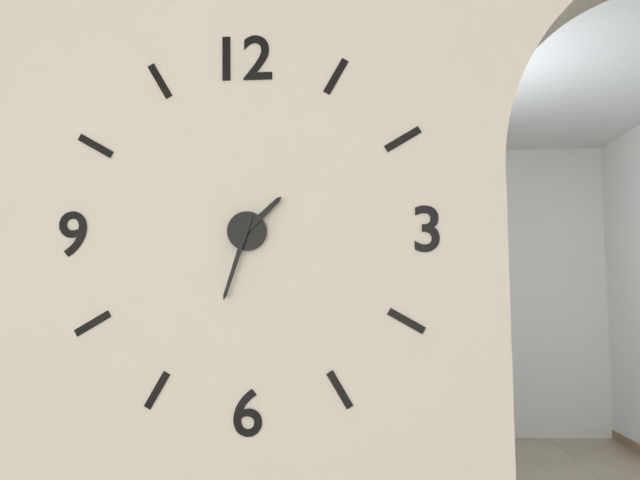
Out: 1h33
